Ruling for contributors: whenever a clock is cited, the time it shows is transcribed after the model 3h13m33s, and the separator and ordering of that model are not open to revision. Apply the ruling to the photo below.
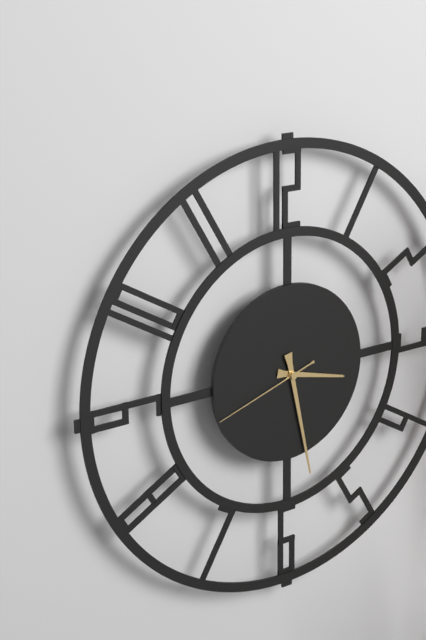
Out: 3h28m42s
